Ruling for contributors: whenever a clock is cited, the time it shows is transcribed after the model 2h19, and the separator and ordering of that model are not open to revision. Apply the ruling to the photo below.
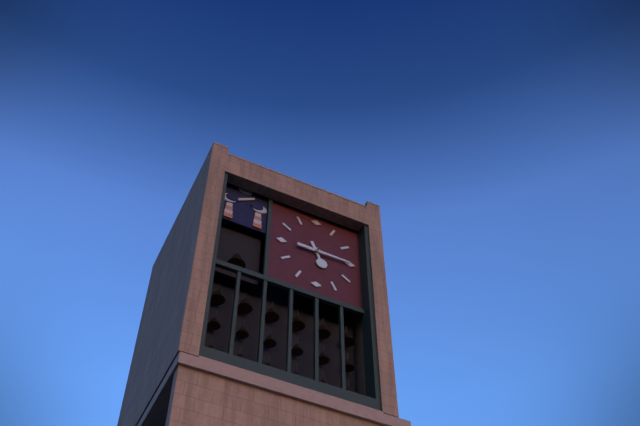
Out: 5h15
